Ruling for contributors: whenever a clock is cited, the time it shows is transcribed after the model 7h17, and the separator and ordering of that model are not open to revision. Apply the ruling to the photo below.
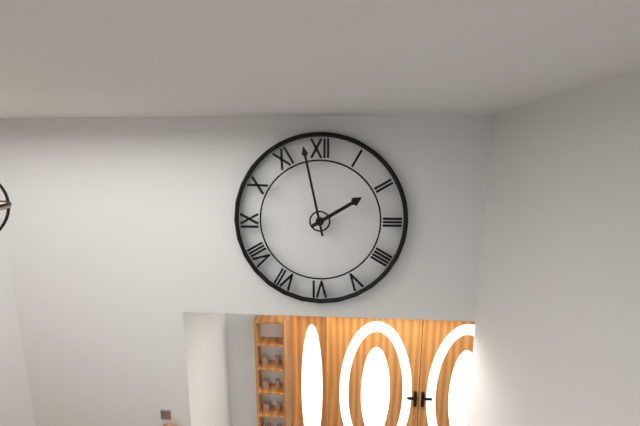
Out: 1h58
